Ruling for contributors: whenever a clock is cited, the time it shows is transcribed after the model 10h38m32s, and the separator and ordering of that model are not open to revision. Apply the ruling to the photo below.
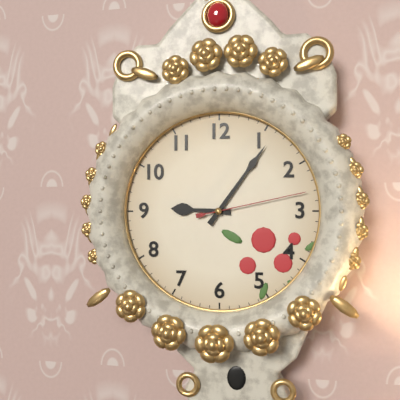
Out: 9h06m13s
